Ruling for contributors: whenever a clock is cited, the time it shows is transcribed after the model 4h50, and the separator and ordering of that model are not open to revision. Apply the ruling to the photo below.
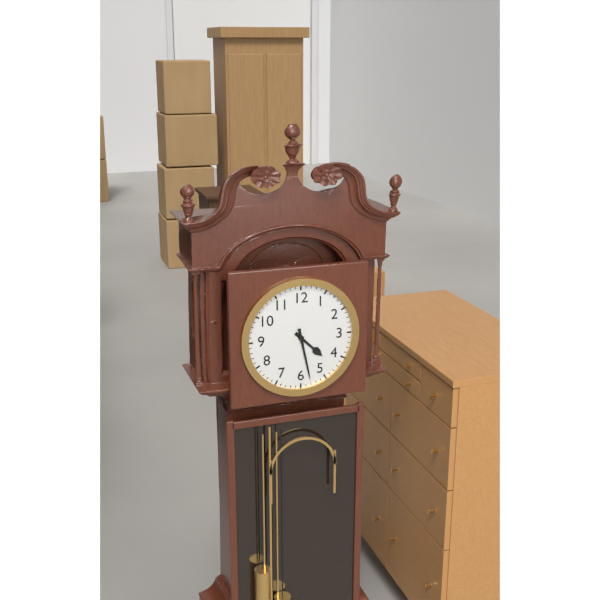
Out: 4h28
